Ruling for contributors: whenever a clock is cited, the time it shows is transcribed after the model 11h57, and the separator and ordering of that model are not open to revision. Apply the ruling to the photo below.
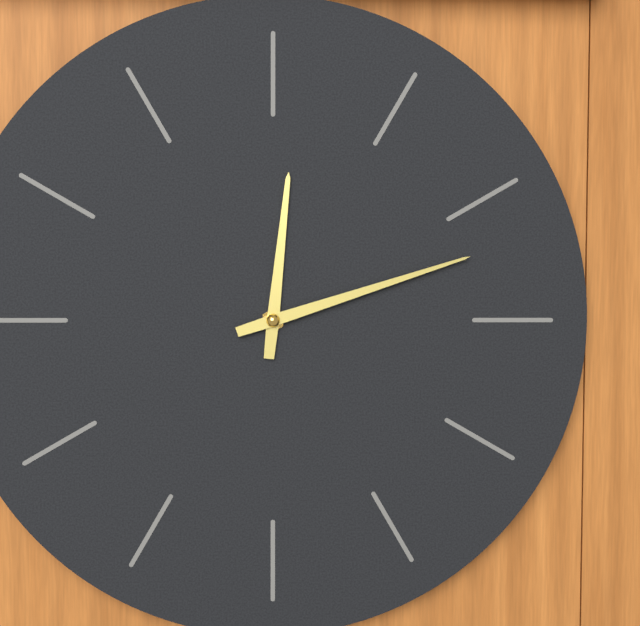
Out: 12h12
